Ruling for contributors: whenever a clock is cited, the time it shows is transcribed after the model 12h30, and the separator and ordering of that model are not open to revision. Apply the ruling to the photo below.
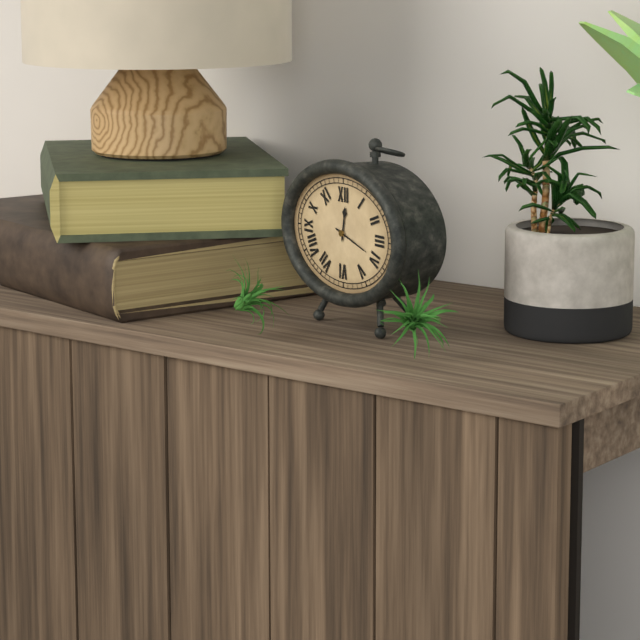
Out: 12h18
